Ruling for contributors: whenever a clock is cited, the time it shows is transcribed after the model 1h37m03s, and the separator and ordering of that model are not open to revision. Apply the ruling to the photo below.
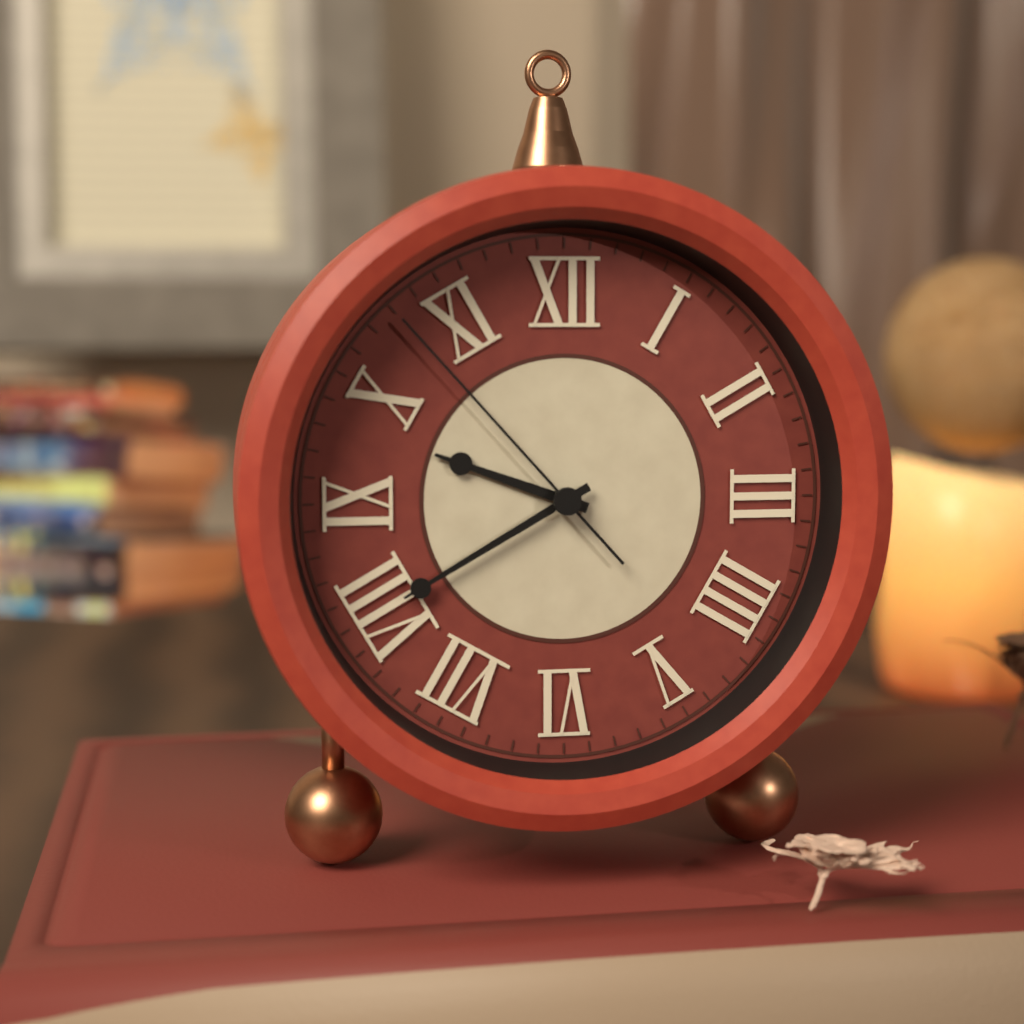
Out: 9h40m53s
